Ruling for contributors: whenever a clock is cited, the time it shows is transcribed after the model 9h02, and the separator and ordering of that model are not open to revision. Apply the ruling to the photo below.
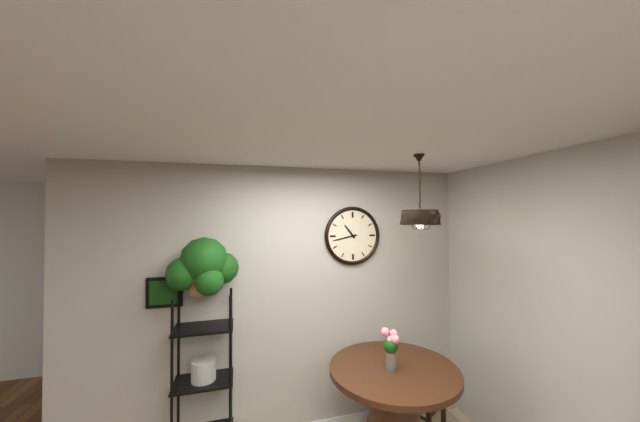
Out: 10h43
